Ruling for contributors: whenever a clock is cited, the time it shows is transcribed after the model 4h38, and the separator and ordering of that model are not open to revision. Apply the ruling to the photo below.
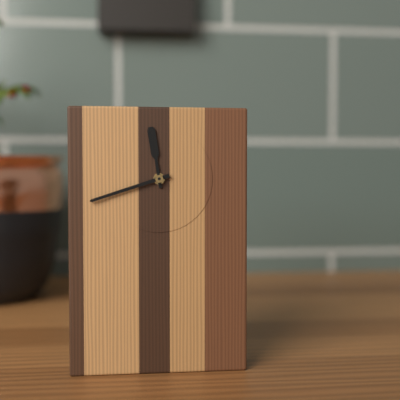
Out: 11h42
